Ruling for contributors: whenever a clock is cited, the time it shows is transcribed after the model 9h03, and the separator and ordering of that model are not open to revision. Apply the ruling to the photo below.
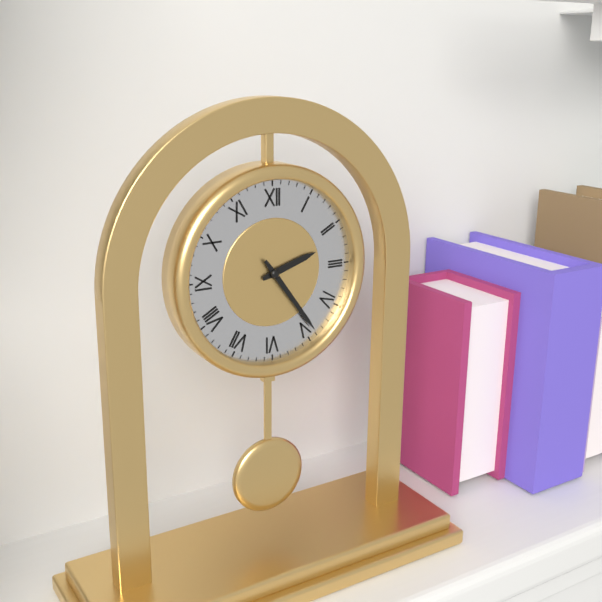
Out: 2h24
